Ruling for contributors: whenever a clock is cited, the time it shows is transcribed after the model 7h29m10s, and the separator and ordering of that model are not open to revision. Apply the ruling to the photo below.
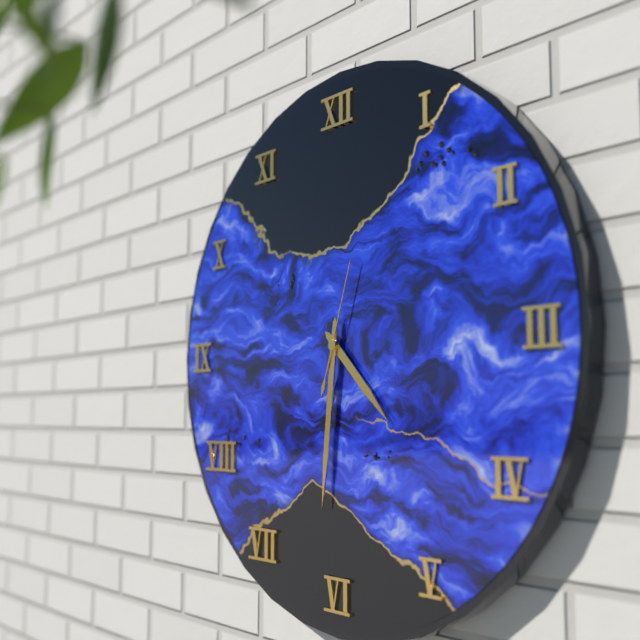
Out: 4h31m03s
